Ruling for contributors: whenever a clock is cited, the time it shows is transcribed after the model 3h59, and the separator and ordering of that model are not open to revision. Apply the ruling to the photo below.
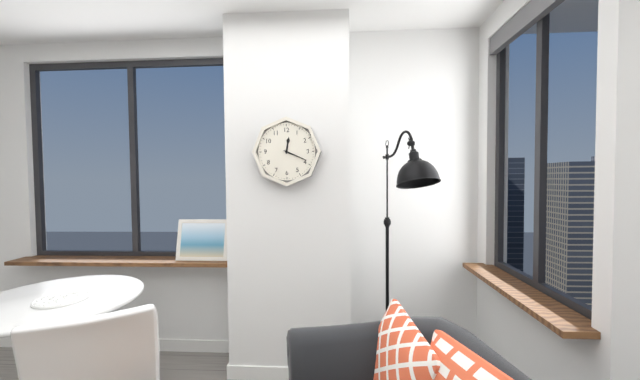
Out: 12h19
